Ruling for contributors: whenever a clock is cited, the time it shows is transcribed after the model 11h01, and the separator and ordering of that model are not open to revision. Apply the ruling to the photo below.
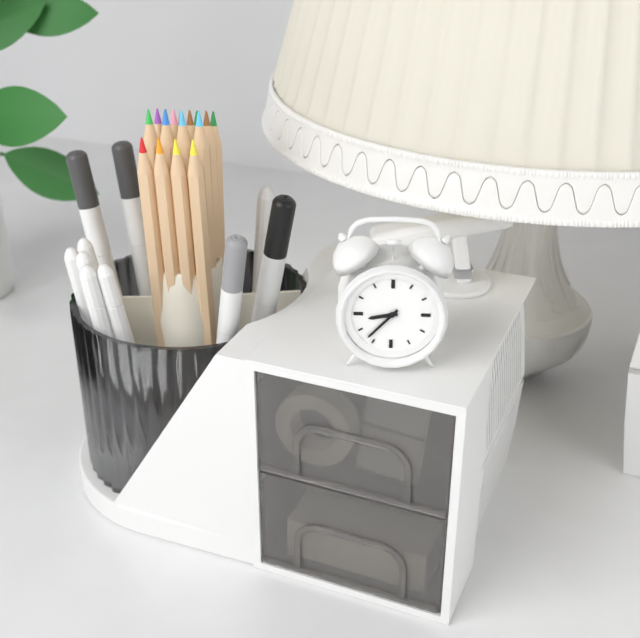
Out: 8h37
